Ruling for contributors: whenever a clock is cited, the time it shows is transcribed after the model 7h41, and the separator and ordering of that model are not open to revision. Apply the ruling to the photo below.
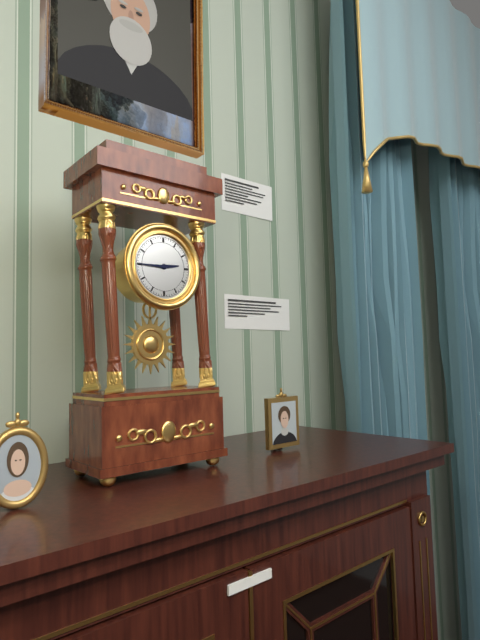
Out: 2h45
